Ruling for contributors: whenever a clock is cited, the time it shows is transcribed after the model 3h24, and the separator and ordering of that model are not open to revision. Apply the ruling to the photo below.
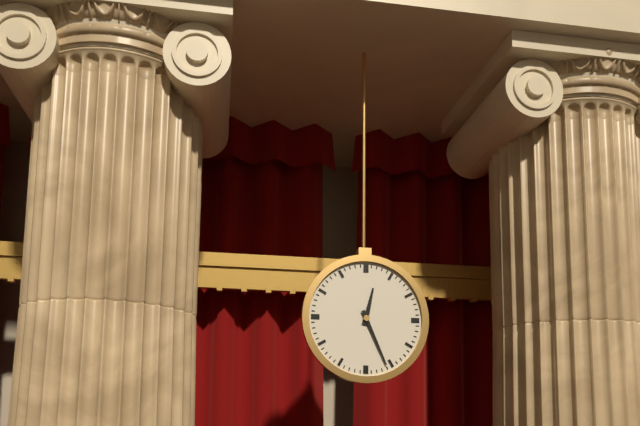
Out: 12h26
